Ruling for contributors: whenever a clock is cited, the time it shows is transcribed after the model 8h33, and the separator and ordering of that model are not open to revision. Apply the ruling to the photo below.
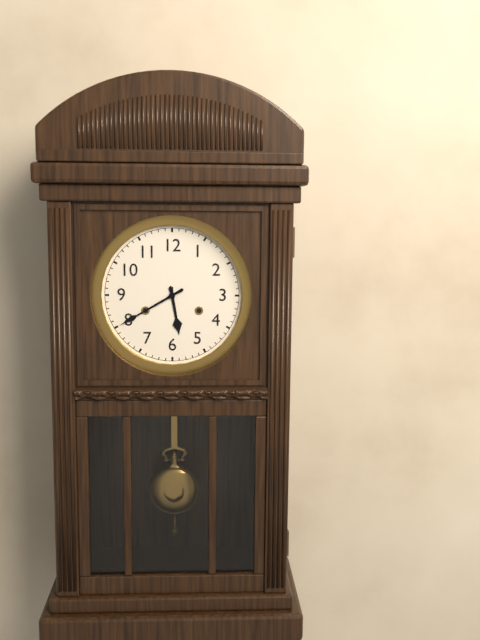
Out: 5h40
